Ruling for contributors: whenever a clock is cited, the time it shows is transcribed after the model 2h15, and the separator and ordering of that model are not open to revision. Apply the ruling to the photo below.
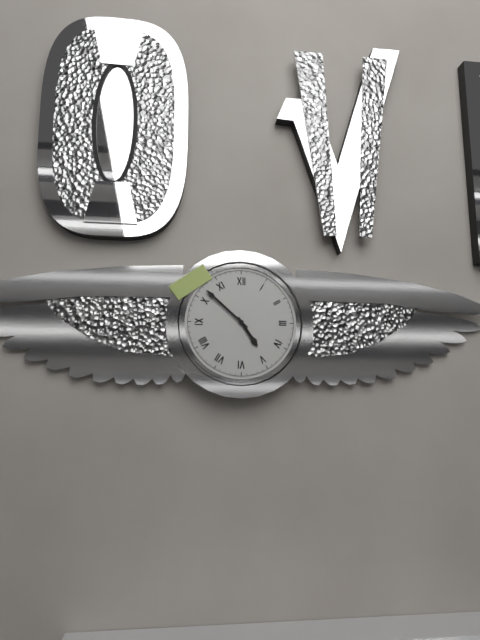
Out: 4h52
